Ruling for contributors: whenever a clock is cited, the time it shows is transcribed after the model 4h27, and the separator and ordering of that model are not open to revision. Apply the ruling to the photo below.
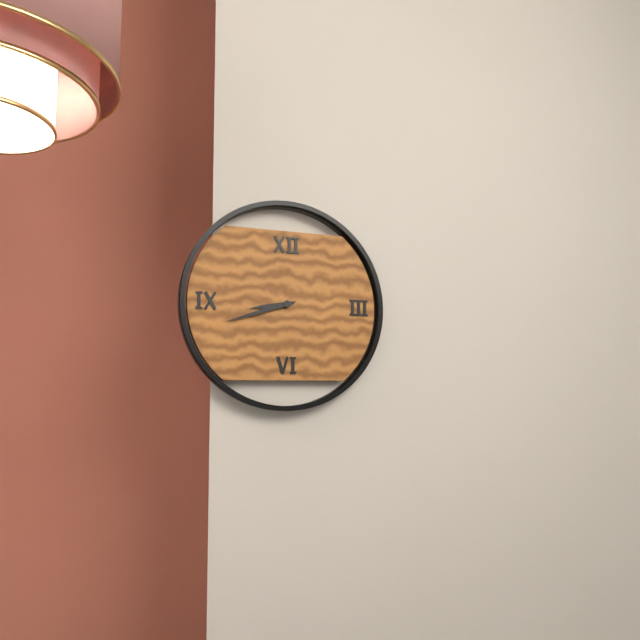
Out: 8h42
